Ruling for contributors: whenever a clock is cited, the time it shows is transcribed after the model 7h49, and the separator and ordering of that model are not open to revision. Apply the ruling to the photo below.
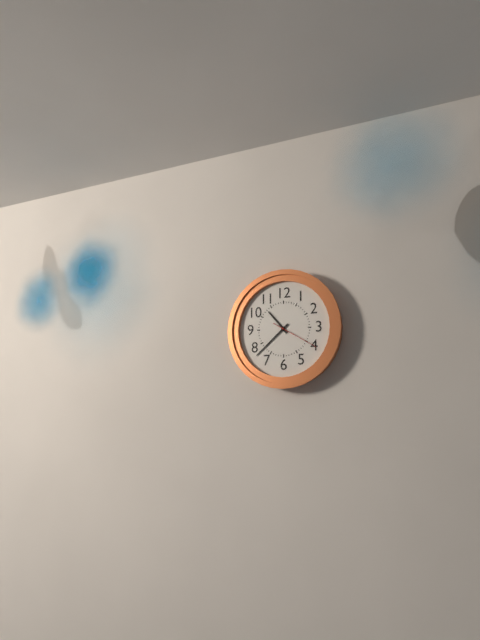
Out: 10h38
